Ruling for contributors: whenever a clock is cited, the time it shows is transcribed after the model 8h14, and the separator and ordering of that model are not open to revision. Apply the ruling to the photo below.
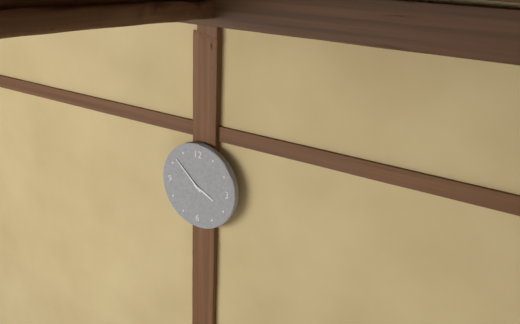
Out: 3h52
